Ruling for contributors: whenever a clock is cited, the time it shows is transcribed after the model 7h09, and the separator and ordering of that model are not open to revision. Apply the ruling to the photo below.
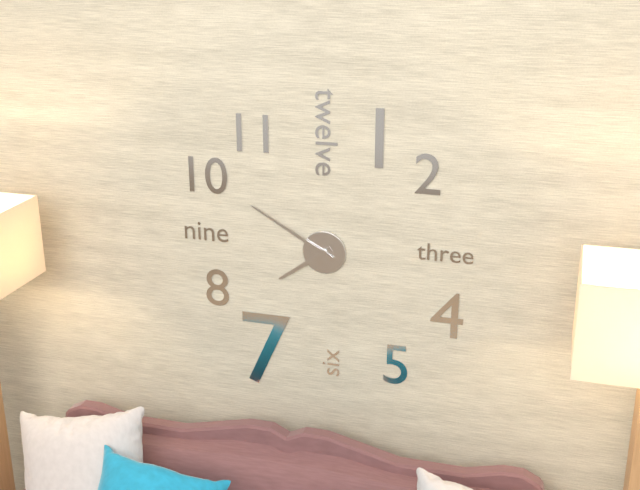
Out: 7h50
